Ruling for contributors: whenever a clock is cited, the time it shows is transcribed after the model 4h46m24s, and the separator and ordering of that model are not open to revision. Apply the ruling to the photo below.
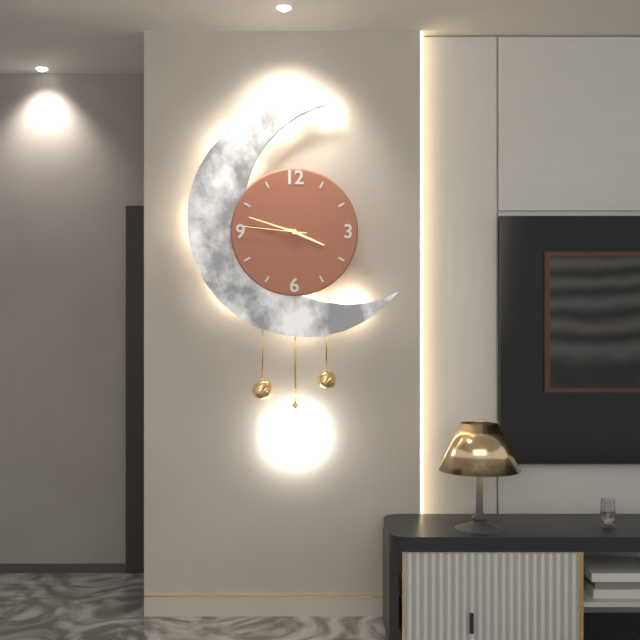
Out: 3h48m46s
